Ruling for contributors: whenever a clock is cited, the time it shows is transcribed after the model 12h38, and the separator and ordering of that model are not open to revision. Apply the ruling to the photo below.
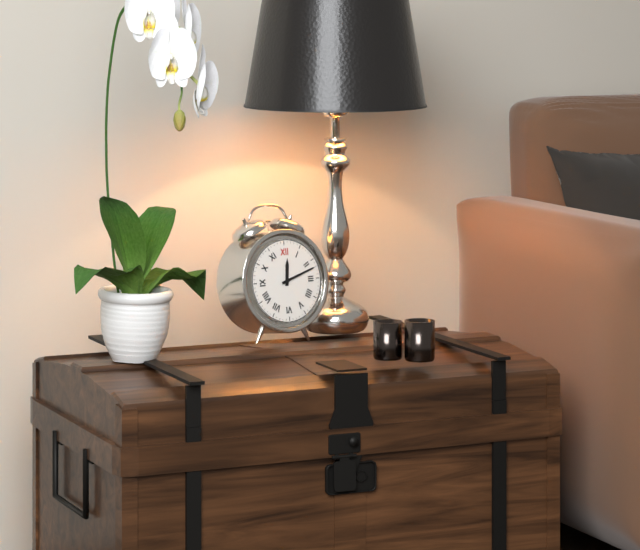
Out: 12h12
